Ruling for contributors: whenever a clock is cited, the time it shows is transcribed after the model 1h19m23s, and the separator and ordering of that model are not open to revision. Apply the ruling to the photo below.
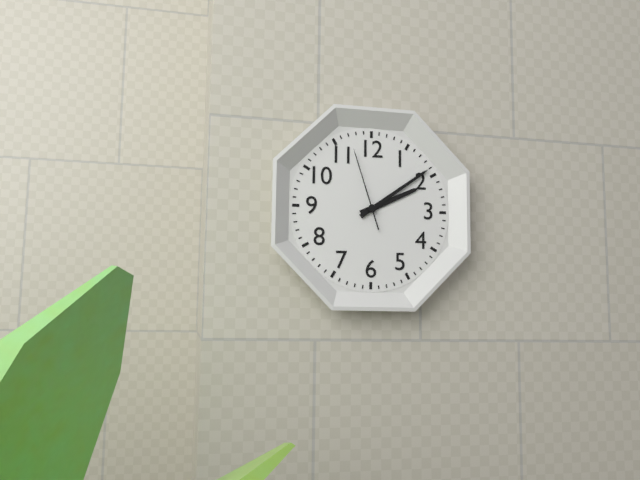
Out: 2h09m57s
